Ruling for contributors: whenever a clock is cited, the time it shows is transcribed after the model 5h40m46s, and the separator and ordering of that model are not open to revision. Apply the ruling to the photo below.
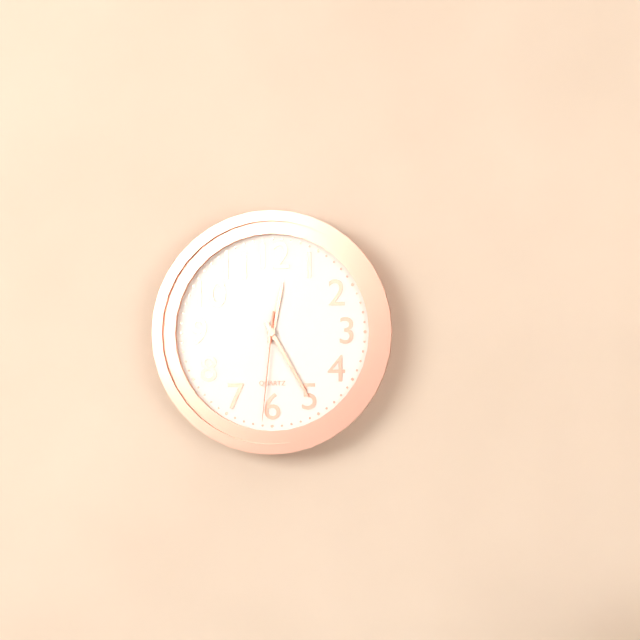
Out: 12h25m31s
